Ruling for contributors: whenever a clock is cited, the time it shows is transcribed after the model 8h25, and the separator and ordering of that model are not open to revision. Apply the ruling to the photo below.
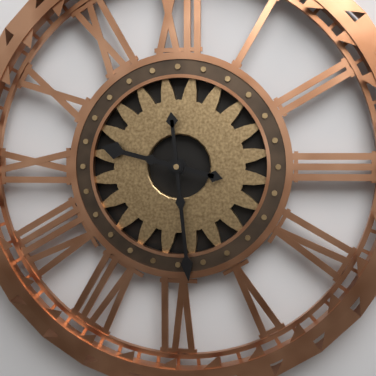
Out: 9h29
